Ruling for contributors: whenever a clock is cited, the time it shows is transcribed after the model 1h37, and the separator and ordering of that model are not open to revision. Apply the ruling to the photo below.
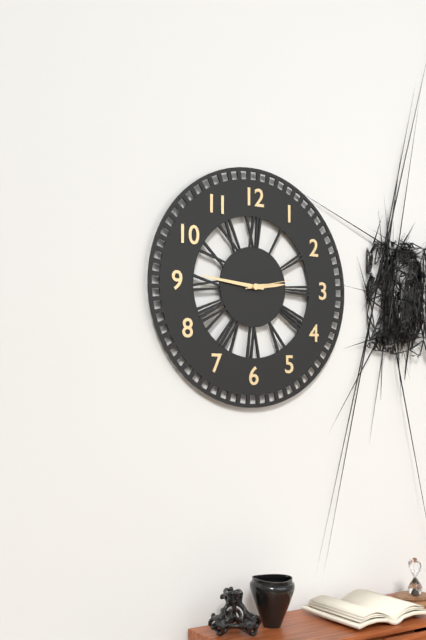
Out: 2h46
